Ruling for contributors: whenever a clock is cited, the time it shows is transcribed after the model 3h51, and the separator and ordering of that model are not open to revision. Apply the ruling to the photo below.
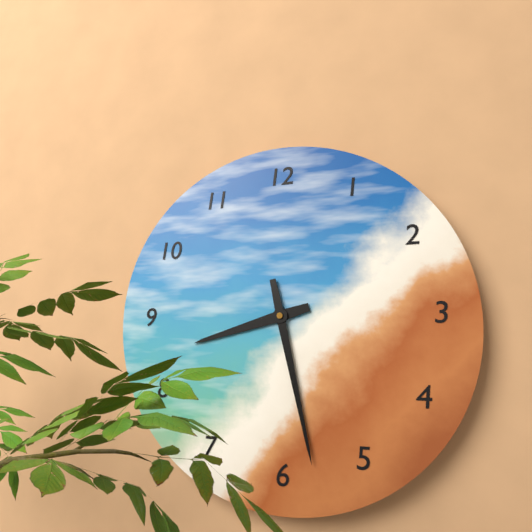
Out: 8h28
